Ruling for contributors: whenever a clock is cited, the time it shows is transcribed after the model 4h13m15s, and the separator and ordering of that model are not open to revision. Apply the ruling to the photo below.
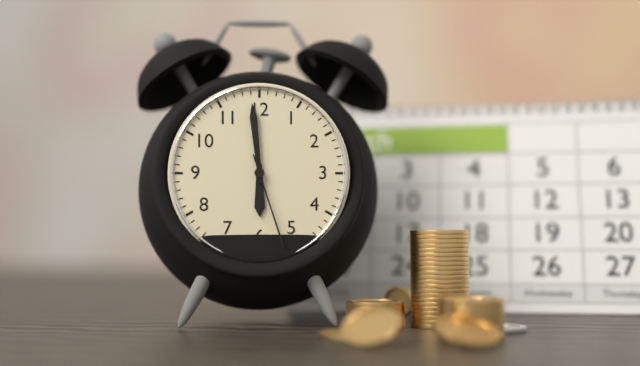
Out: 5h59m27s
